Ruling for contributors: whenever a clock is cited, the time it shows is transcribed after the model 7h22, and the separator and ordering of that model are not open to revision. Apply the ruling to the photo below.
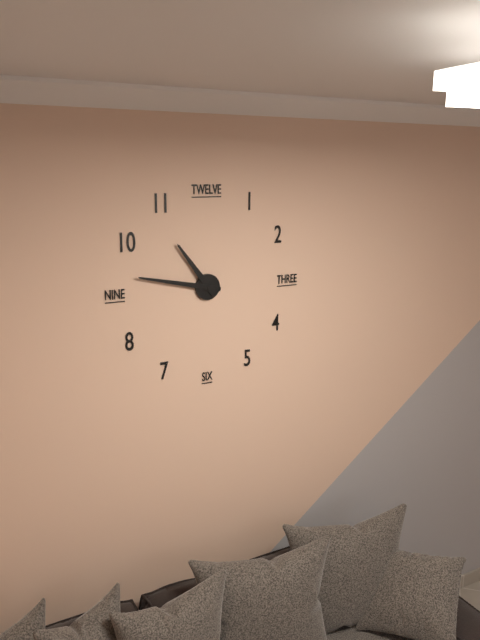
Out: 10h47
